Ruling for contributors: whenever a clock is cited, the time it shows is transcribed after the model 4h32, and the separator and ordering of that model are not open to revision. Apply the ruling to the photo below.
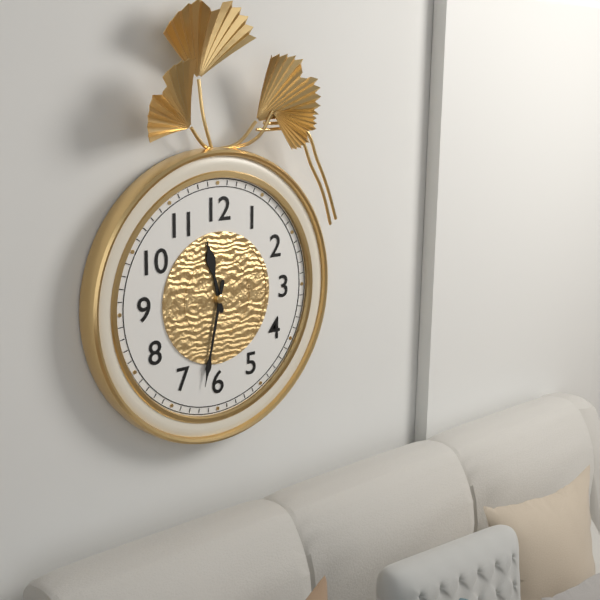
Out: 11h32
